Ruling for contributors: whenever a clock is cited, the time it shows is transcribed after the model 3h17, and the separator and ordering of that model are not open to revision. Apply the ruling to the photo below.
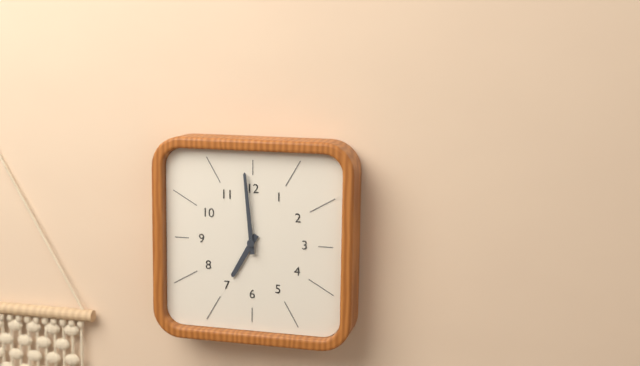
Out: 6h59
